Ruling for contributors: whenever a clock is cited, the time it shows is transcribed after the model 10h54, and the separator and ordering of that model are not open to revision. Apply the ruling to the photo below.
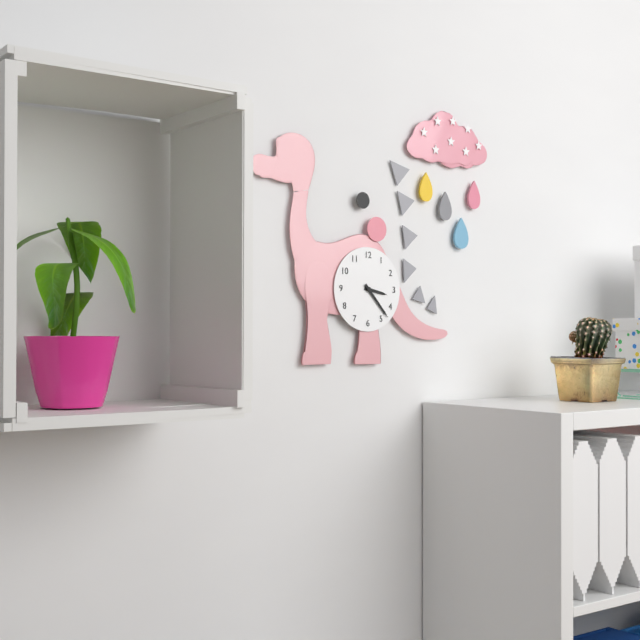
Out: 3h23
